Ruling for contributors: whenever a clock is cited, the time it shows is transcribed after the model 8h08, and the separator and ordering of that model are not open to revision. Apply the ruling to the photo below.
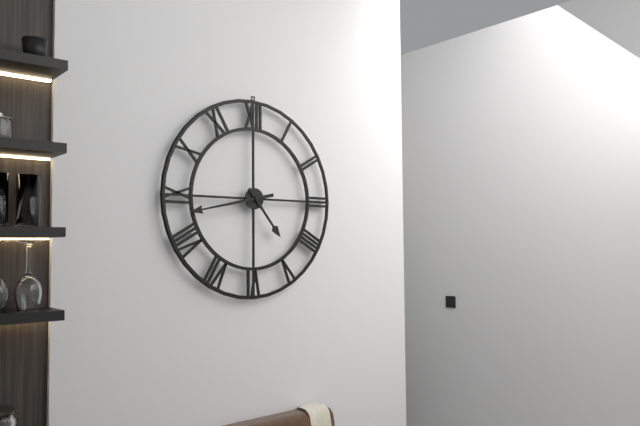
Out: 4h43
